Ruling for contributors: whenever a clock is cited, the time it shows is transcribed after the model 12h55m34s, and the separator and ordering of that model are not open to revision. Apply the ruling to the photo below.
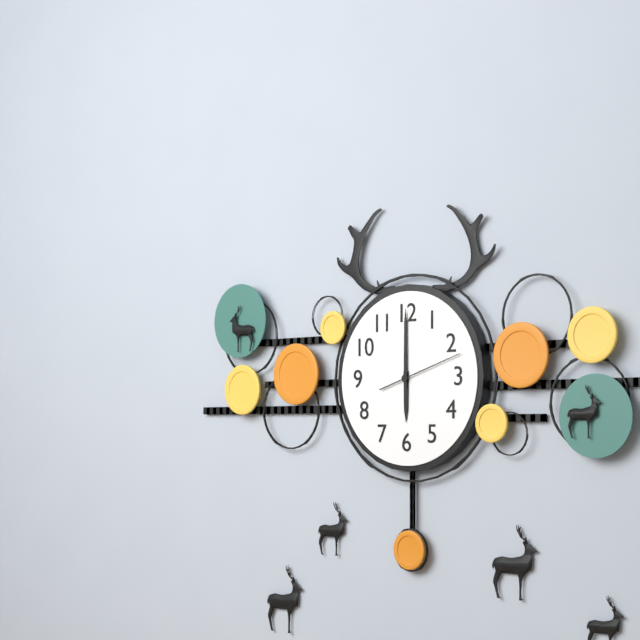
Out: 6h00m12s
